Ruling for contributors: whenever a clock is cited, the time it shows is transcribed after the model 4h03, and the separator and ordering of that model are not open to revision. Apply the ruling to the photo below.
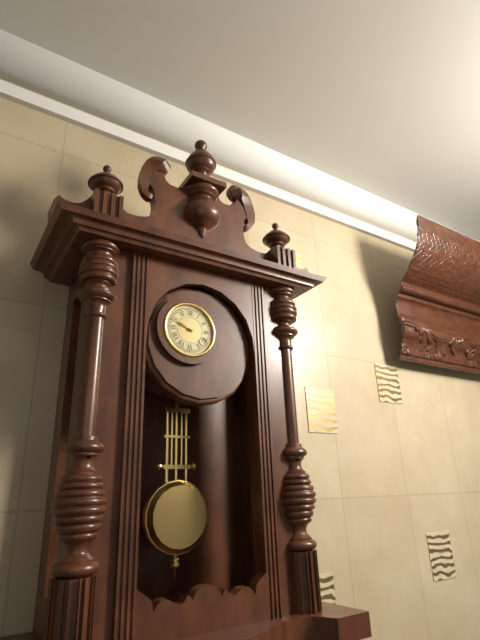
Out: 9h49
